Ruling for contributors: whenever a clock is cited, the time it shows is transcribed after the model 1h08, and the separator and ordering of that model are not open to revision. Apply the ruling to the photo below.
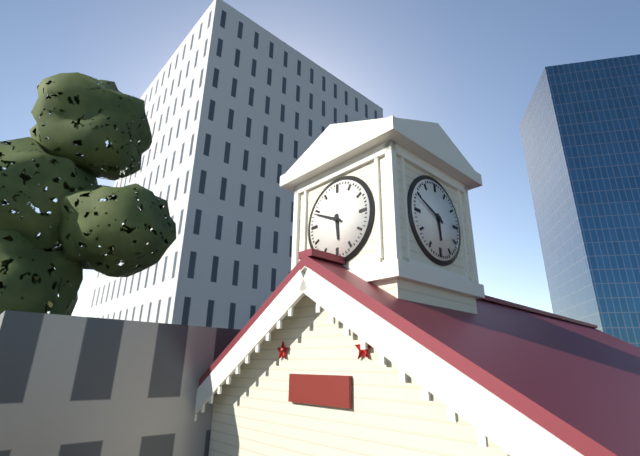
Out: 5h49
